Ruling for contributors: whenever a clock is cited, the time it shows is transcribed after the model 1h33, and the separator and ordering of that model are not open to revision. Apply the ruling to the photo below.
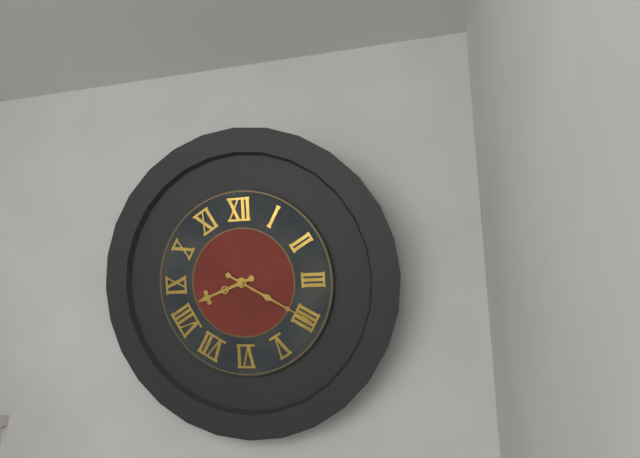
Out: 8h20
